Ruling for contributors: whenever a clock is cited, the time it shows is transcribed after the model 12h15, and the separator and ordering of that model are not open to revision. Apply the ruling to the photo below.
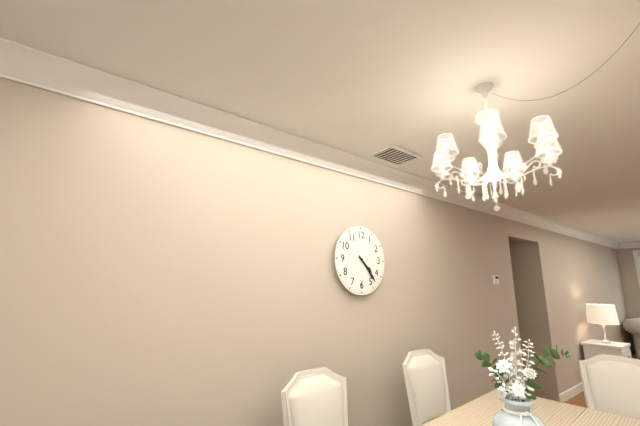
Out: 4h23
